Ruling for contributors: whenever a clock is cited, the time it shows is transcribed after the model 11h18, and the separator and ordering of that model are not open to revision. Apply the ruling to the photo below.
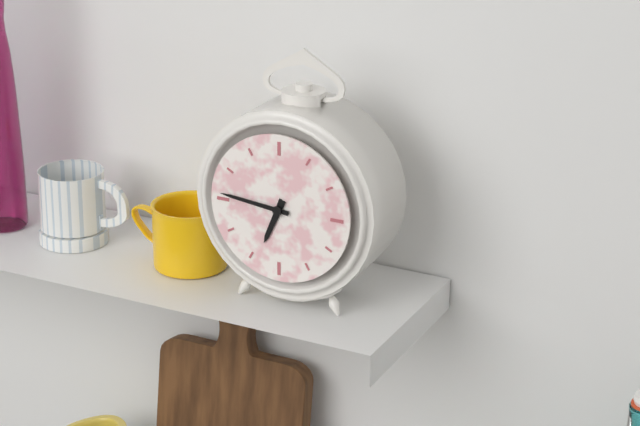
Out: 6h46
